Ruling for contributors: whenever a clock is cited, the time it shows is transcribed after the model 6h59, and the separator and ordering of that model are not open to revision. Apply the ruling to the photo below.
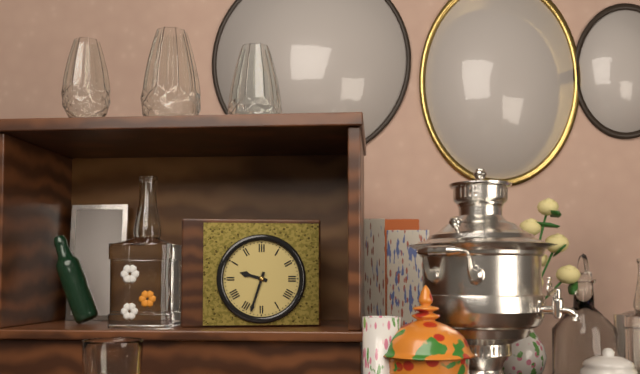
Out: 9h33
